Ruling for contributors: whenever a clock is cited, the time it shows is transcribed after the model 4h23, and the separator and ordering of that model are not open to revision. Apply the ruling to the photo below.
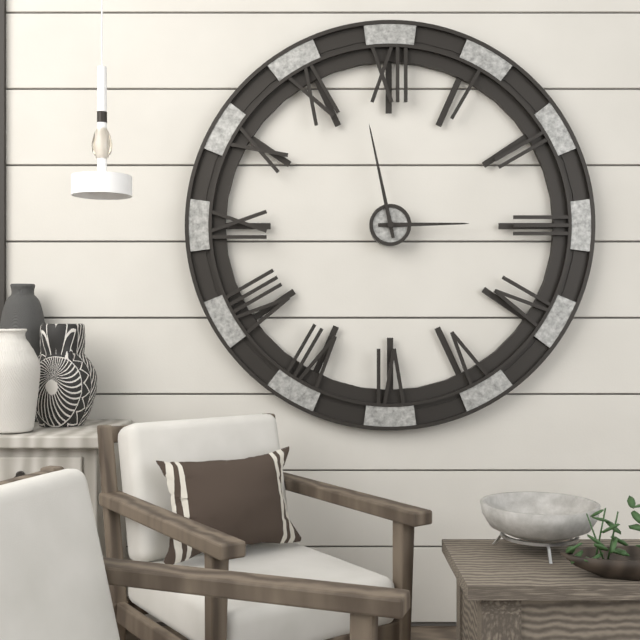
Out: 2h58
